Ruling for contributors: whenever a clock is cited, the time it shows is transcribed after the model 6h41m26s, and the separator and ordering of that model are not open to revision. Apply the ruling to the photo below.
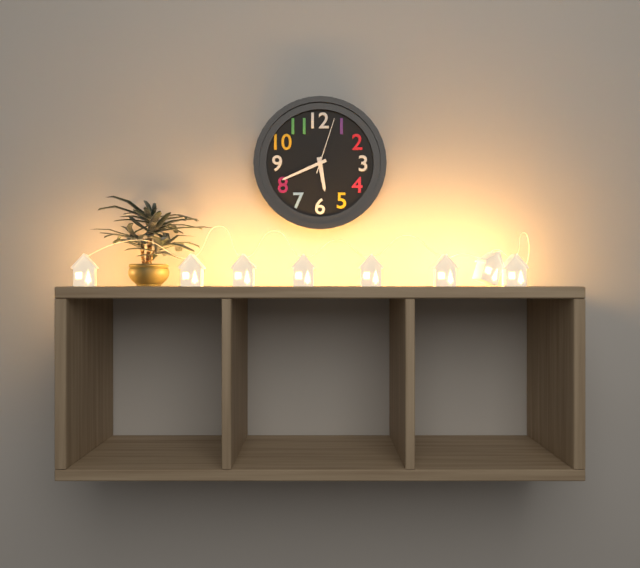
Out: 5h41m03s
